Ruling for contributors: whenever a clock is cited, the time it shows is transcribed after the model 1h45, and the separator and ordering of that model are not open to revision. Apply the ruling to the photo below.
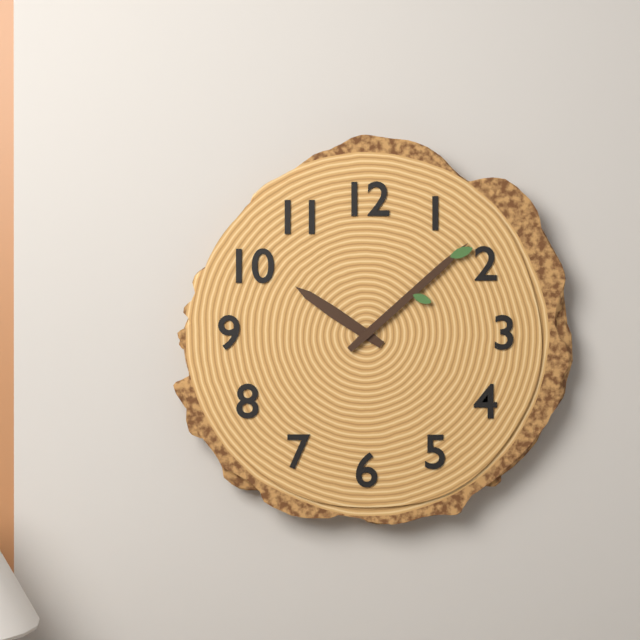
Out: 10h08
